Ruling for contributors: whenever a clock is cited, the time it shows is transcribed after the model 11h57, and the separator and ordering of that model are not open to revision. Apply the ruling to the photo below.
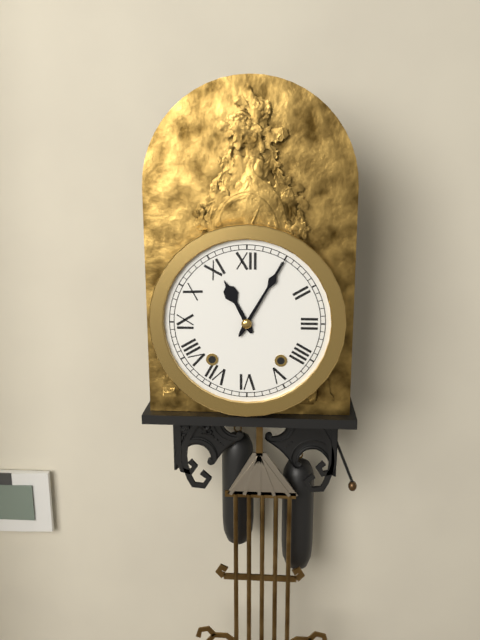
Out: 11h05
